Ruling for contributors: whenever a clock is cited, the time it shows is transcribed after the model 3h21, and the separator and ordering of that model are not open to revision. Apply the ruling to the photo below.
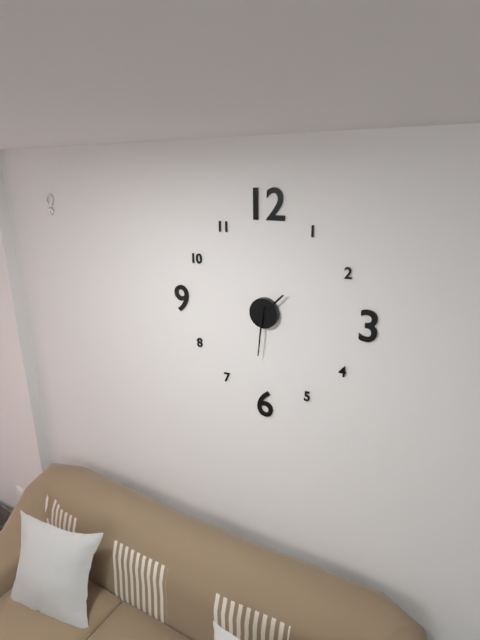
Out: 1h31
